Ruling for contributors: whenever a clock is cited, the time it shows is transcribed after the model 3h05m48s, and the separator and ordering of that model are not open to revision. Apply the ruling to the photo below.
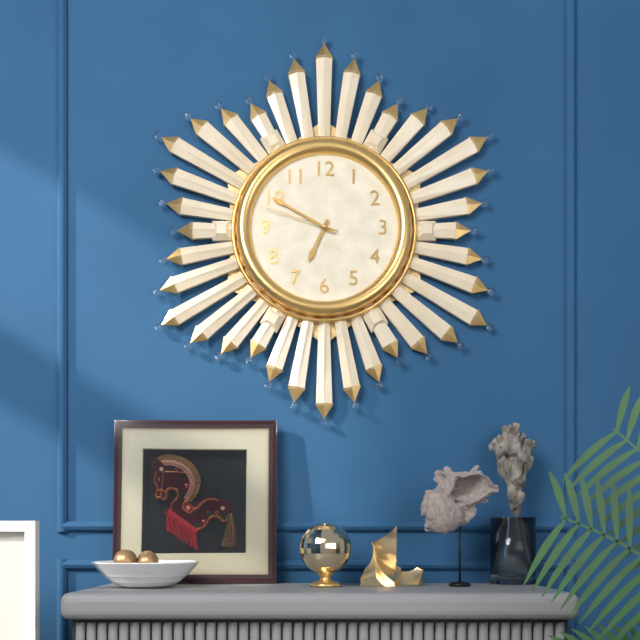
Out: 6h50m48s
